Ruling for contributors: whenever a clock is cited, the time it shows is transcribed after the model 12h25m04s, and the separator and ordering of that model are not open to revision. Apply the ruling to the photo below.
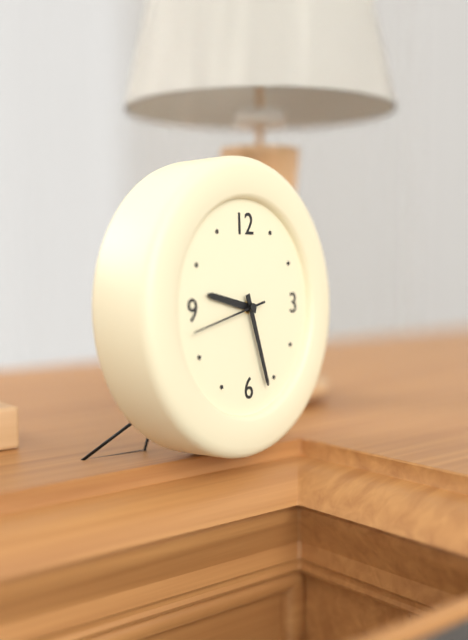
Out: 9h27m43s
